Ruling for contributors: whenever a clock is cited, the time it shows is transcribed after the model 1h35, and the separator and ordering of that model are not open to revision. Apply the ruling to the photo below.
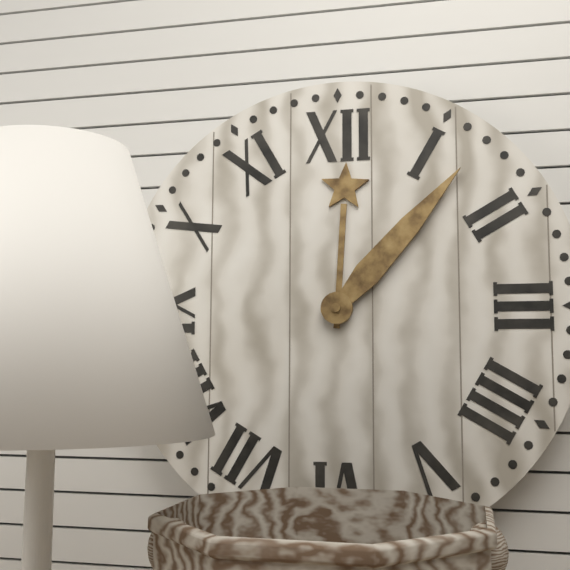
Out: 12h07
